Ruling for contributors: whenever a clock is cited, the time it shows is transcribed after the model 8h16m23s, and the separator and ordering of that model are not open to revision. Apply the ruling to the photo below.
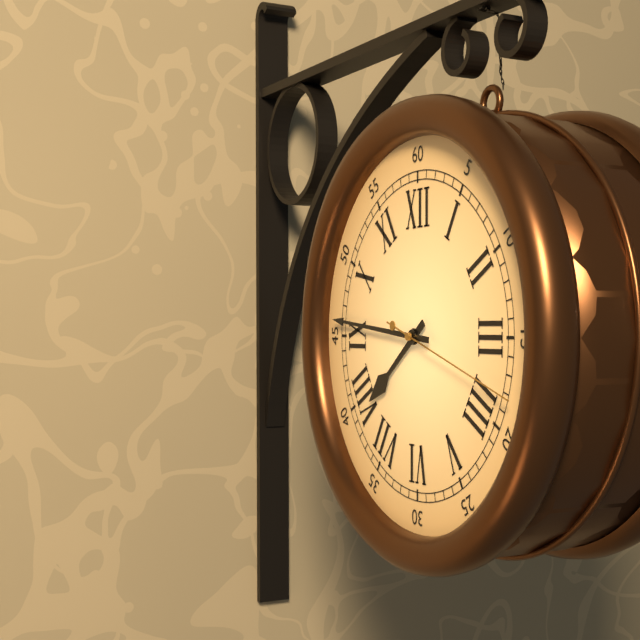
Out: 7h46m18s
